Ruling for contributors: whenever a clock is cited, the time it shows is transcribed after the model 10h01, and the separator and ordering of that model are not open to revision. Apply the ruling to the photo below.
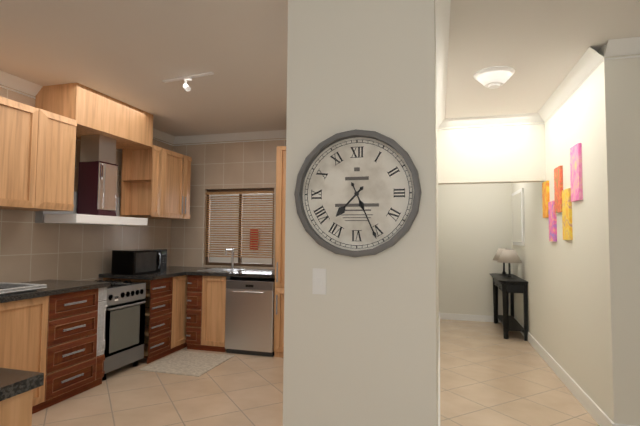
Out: 7h26
